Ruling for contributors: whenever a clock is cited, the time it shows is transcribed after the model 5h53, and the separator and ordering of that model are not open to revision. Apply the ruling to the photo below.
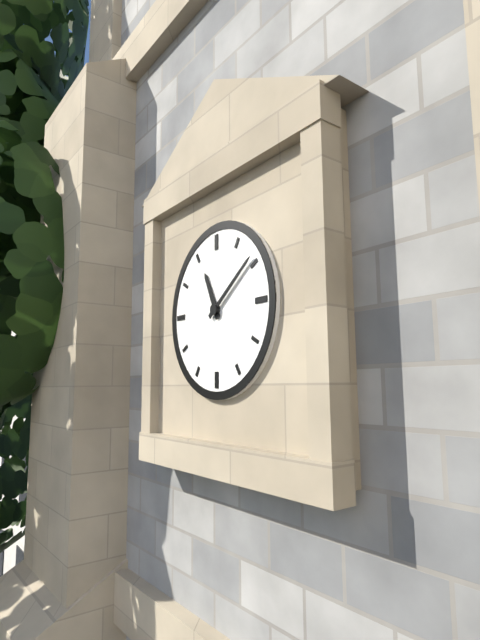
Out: 11h09
